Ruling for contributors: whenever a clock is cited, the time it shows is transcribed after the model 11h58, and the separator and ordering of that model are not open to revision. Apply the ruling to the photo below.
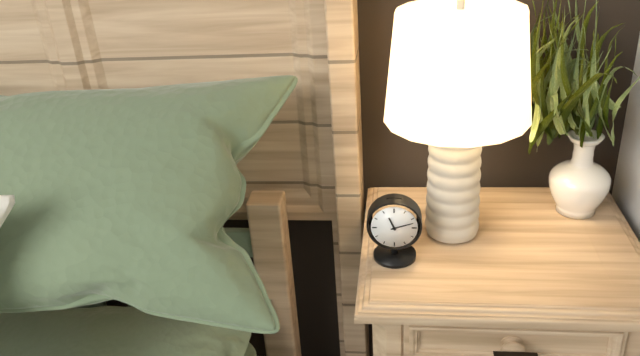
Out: 11h12
